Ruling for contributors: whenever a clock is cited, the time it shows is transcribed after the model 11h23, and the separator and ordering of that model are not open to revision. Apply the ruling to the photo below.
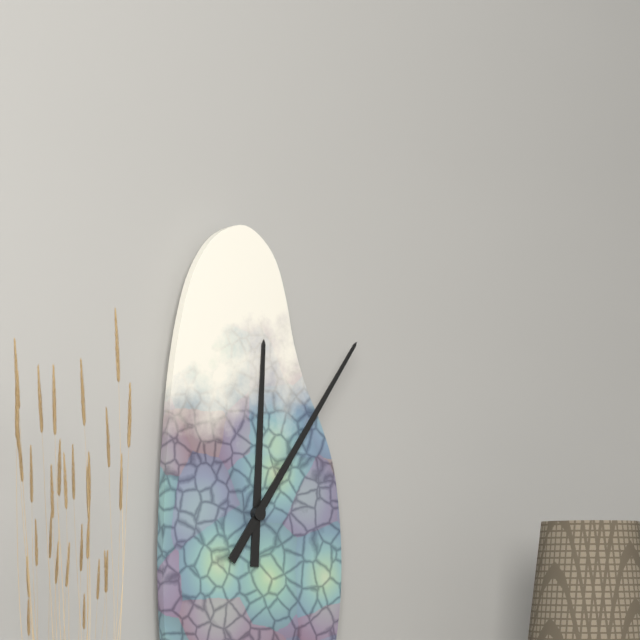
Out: 12h06
